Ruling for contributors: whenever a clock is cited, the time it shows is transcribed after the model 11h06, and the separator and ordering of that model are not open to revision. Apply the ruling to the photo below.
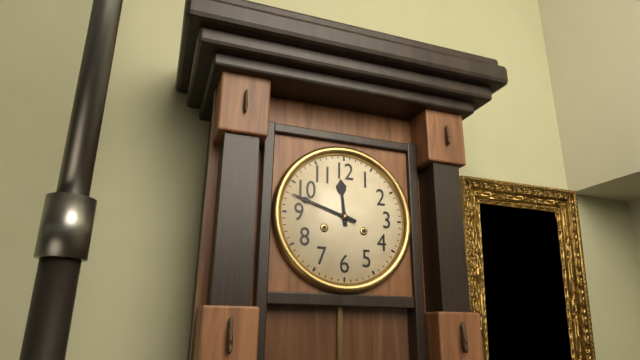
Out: 11h48
